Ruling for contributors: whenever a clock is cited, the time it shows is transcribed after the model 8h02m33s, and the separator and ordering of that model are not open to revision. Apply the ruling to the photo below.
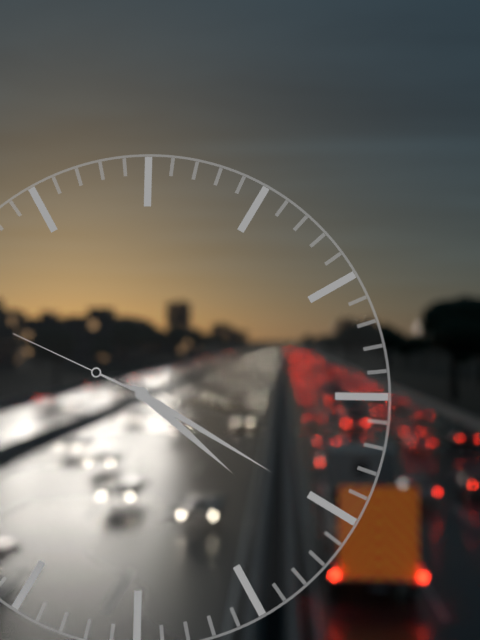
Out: 4h20m49s
